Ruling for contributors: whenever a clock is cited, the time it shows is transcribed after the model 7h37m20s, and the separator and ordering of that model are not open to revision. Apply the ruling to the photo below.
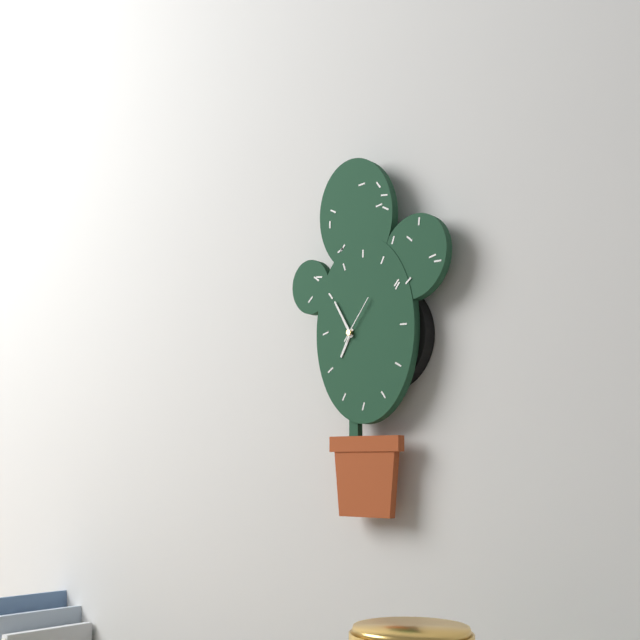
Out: 6h55m06s
